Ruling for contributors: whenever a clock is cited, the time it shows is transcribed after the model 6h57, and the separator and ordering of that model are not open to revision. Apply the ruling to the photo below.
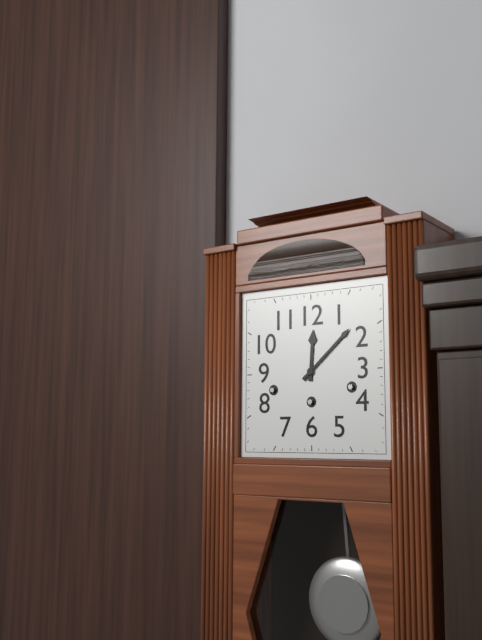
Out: 12h08
